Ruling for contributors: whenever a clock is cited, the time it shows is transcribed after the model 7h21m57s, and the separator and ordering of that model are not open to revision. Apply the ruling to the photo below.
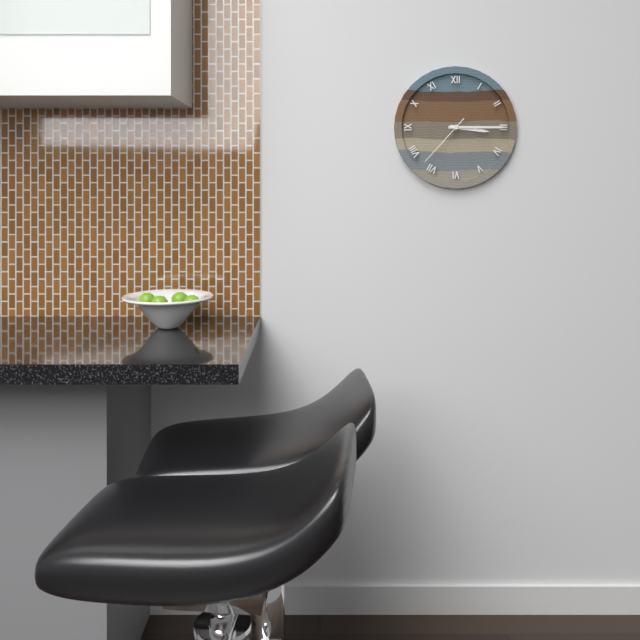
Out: 3h15m37s
